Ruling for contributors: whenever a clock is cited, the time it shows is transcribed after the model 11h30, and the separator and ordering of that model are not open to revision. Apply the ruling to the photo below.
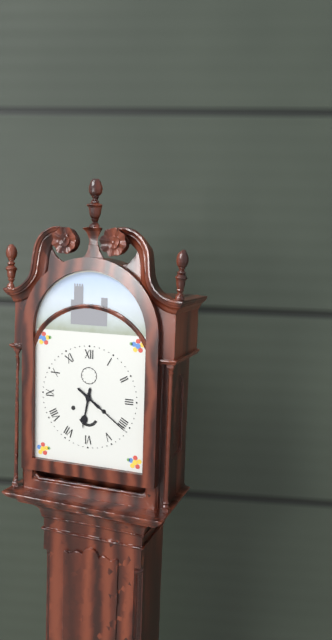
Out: 6h21
